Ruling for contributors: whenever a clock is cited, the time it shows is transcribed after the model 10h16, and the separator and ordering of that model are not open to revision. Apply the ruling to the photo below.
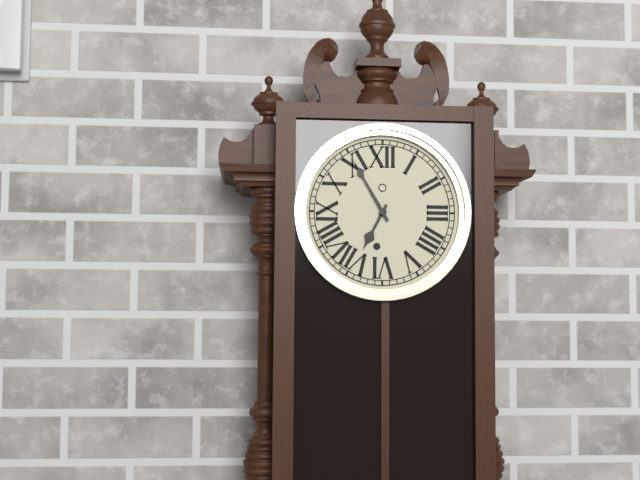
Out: 6h55
